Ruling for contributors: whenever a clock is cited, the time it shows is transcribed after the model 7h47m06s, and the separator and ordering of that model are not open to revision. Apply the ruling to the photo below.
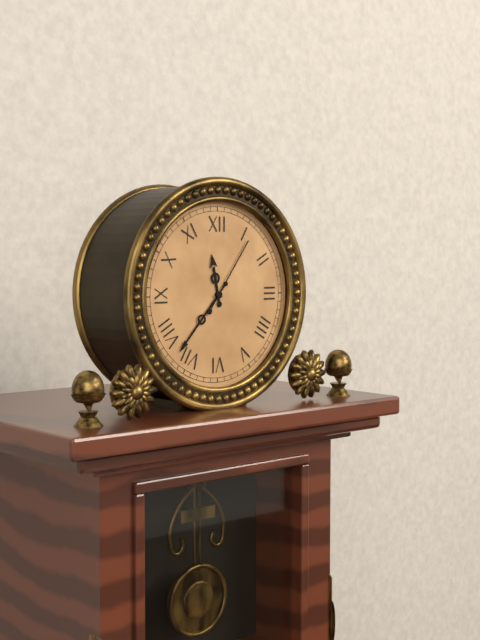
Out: 11h37m06s
